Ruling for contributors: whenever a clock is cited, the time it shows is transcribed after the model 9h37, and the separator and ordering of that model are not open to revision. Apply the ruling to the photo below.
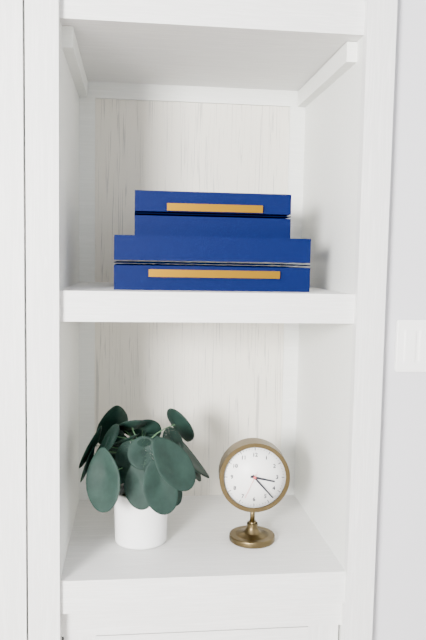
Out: 3h23
